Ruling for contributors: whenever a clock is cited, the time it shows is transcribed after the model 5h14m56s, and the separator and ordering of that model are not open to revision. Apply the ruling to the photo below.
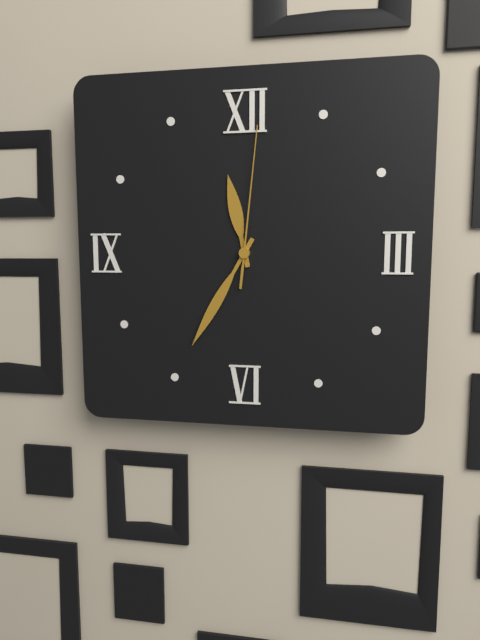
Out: 11h35m01s
